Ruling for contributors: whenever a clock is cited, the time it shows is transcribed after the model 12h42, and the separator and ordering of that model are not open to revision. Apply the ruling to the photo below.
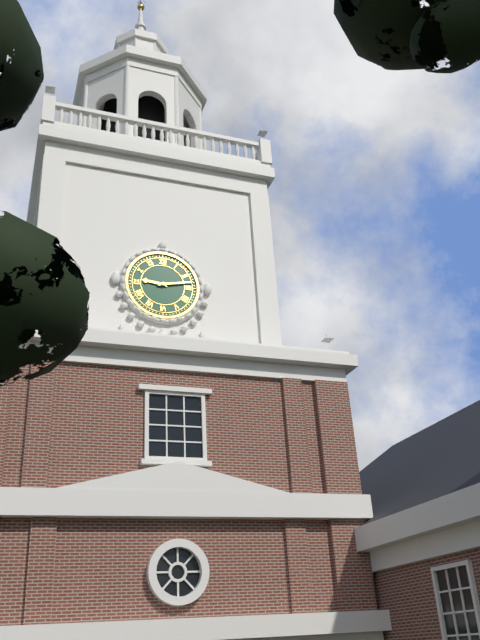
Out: 9h13
